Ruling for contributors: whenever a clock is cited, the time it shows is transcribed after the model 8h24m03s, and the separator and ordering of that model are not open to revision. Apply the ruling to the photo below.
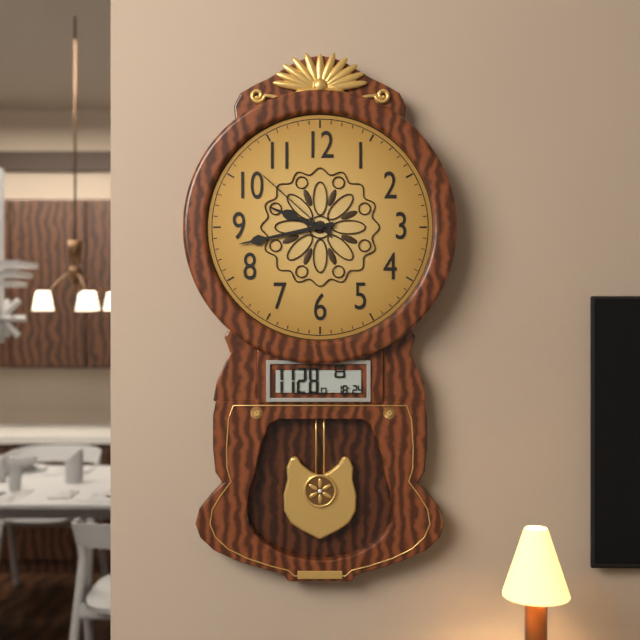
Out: 9h43m52s
